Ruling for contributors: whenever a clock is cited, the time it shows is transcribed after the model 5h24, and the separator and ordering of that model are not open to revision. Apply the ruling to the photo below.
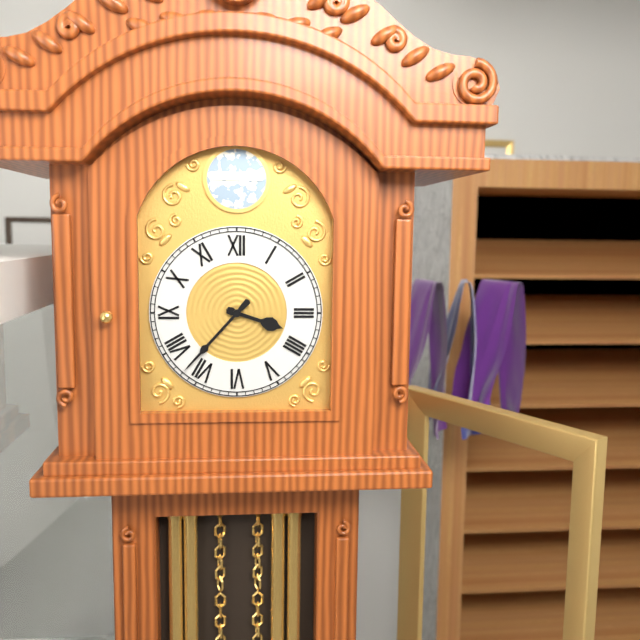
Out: 3h37
